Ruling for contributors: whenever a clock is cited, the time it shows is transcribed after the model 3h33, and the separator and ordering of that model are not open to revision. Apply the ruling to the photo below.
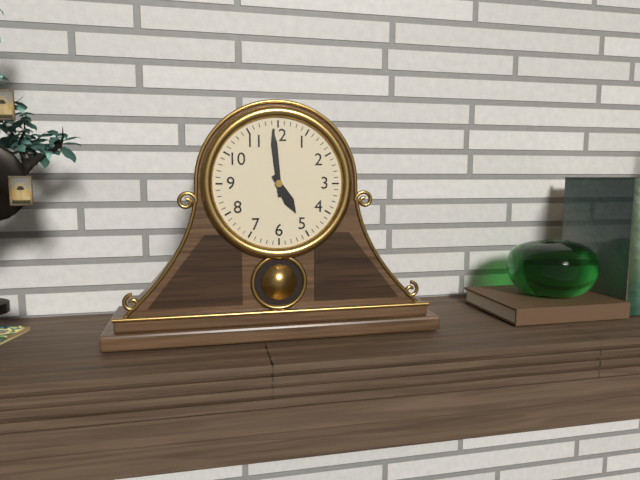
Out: 4h59
